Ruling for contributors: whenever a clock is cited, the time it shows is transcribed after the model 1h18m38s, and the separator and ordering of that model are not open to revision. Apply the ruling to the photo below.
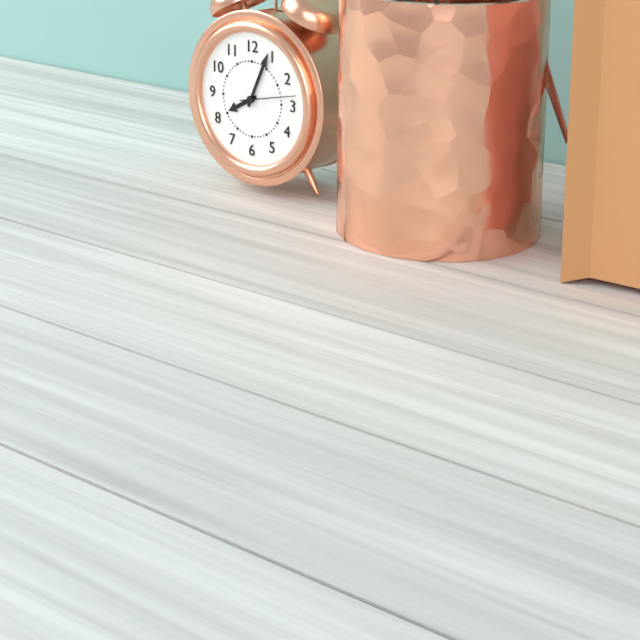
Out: 8h04m13s
